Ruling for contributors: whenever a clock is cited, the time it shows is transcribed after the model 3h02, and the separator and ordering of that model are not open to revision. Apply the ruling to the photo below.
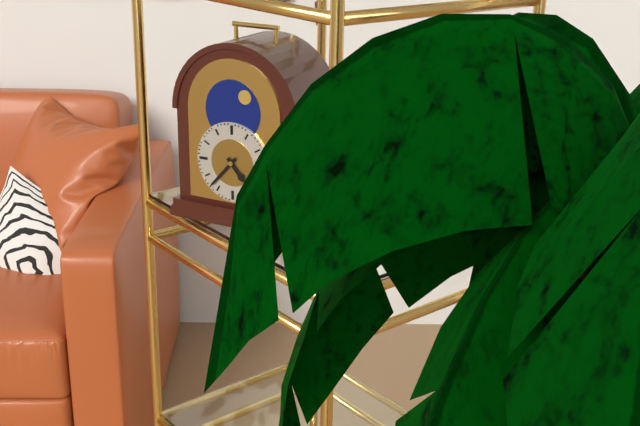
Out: 4h37
